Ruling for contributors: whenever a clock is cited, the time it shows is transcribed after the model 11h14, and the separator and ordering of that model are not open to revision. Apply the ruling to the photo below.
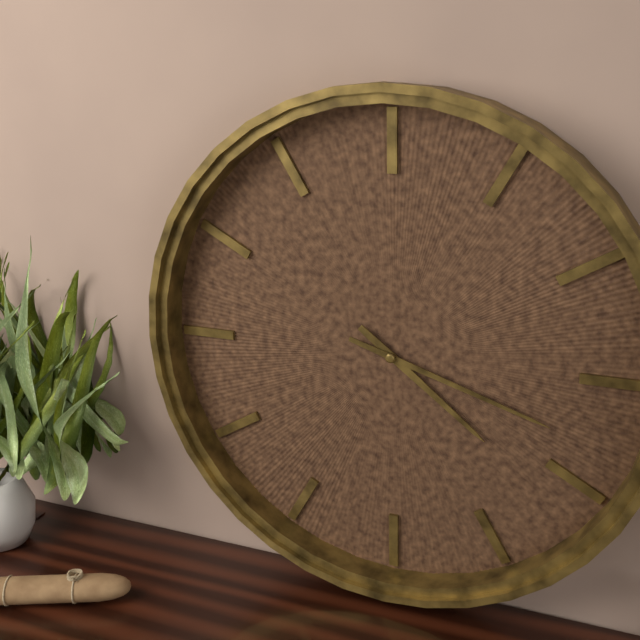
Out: 4h18
